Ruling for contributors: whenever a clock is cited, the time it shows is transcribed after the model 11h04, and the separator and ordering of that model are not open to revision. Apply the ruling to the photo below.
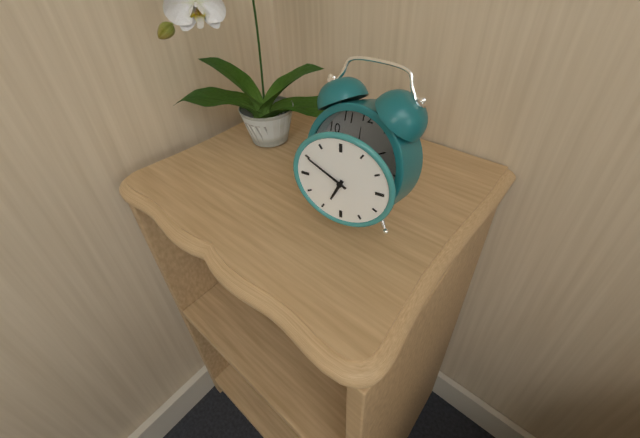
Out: 6h50
